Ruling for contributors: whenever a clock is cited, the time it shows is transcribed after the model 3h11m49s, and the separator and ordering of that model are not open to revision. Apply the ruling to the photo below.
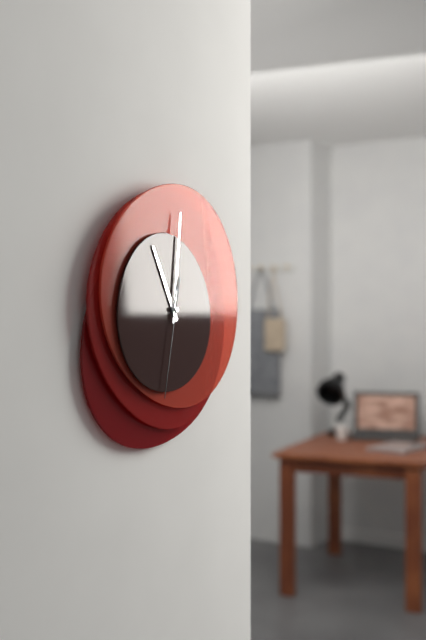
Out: 11h01m32s
